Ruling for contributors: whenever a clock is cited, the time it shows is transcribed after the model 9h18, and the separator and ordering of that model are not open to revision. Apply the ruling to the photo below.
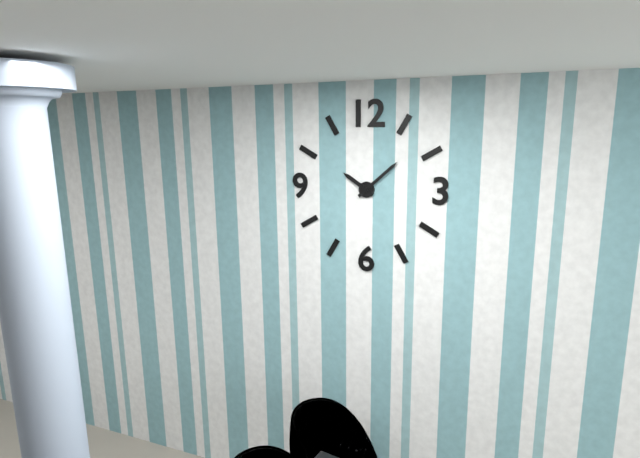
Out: 10h08
